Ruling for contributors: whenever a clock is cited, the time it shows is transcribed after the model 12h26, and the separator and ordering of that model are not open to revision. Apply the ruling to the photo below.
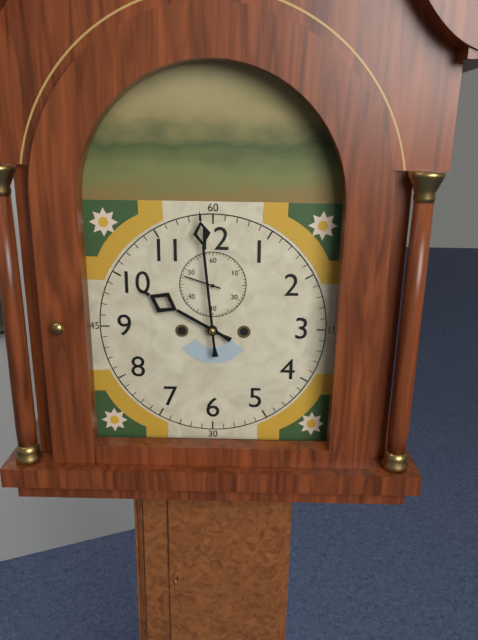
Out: 9h59
